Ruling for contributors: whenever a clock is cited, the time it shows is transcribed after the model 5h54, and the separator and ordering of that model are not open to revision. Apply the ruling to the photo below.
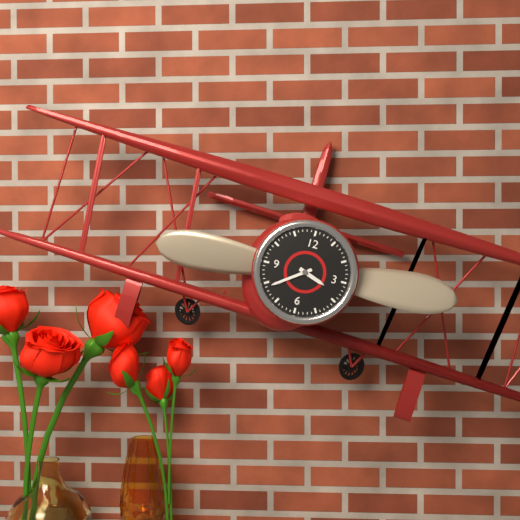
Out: 3h39
